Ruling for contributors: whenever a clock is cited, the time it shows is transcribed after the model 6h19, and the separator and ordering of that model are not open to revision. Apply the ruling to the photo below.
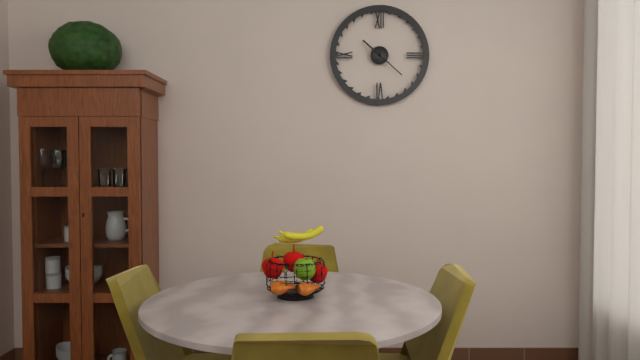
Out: 10h22
